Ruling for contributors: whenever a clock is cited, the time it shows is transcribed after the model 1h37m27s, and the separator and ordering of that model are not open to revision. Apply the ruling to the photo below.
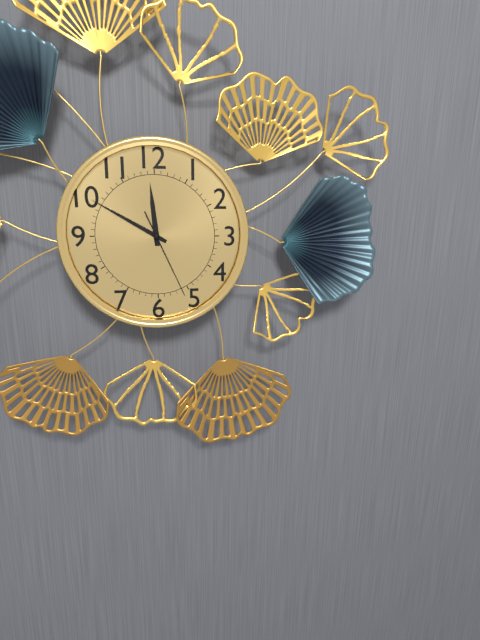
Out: 11h50m26s
